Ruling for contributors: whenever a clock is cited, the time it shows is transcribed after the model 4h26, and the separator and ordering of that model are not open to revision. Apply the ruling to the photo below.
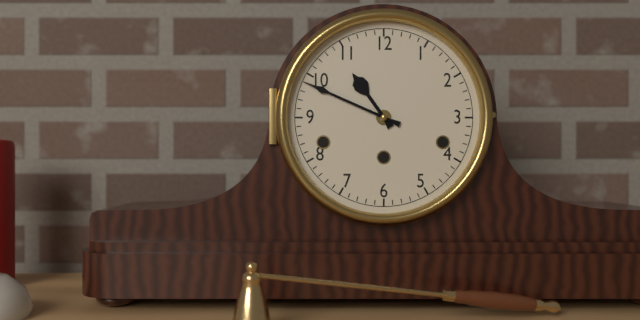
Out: 10h49
